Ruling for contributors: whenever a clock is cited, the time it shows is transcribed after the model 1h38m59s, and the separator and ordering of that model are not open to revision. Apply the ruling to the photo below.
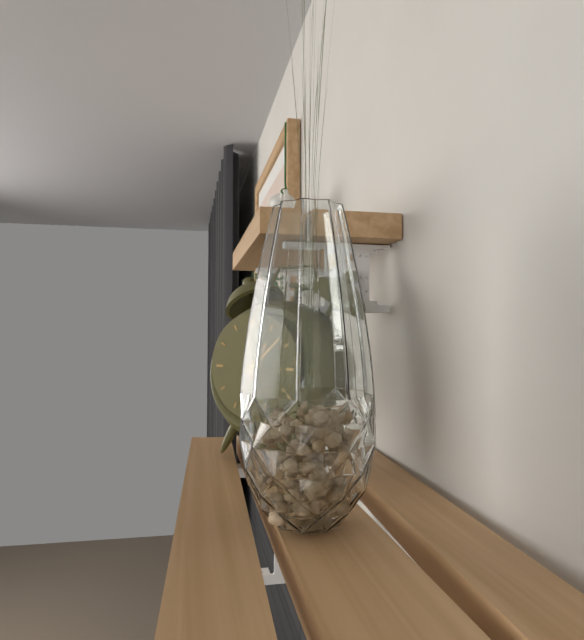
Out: 1h08m59s
